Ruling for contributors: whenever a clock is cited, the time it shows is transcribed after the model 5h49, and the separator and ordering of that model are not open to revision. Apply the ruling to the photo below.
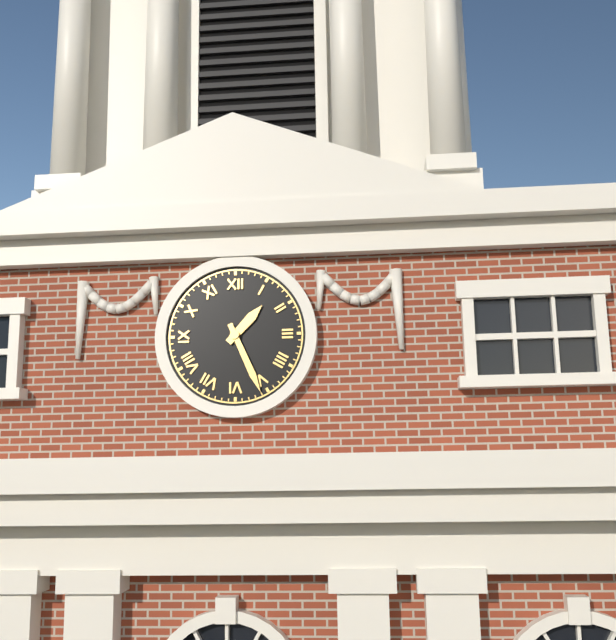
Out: 1h26
